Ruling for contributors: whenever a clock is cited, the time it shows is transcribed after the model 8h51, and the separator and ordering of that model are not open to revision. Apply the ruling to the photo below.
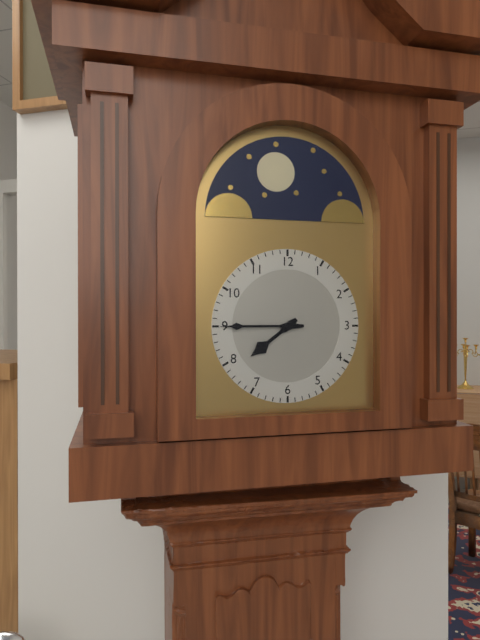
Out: 7h45
